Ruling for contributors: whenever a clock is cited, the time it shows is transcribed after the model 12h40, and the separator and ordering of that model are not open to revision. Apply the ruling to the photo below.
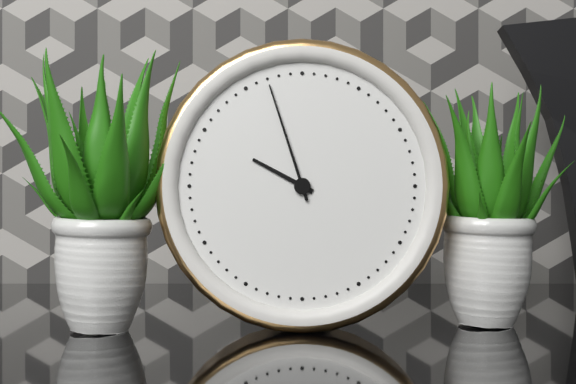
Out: 9h57
